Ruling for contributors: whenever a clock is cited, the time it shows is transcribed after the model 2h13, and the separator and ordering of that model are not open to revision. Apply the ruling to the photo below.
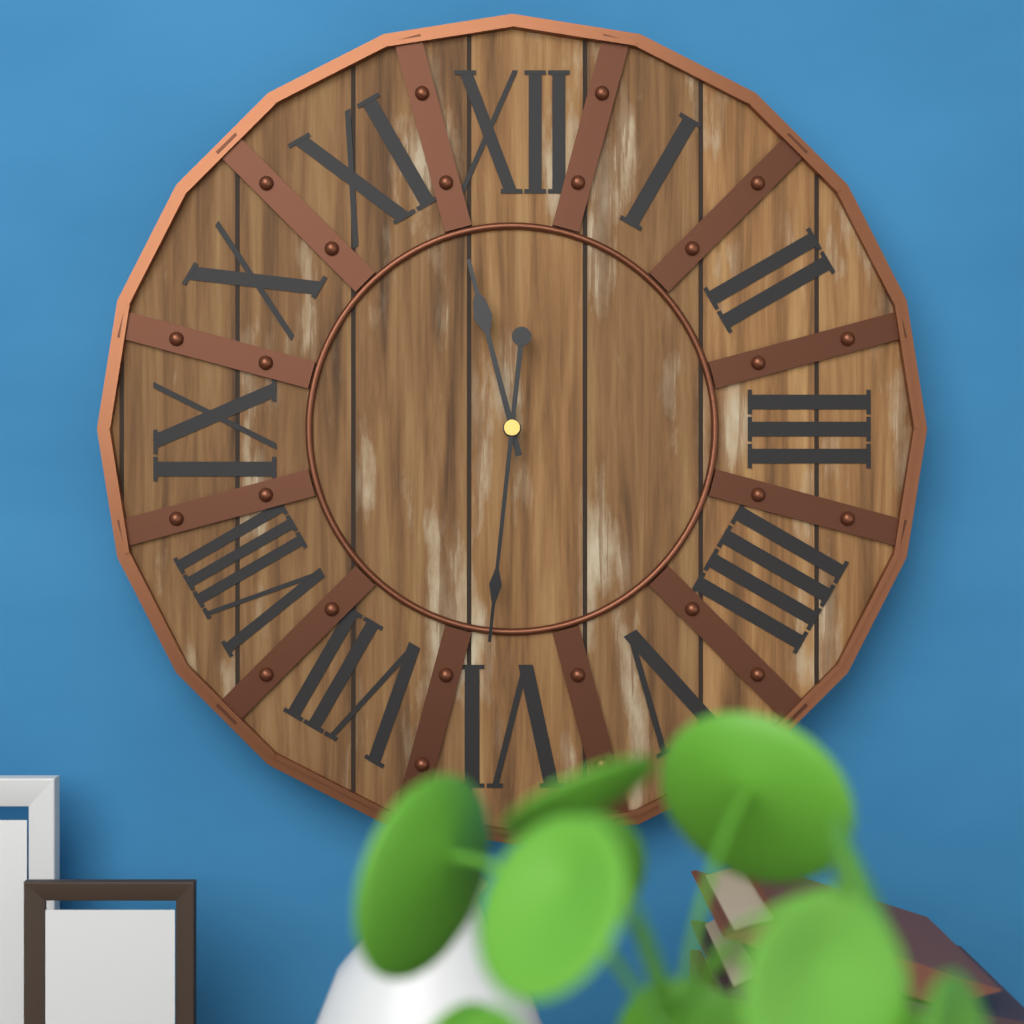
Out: 11h31
